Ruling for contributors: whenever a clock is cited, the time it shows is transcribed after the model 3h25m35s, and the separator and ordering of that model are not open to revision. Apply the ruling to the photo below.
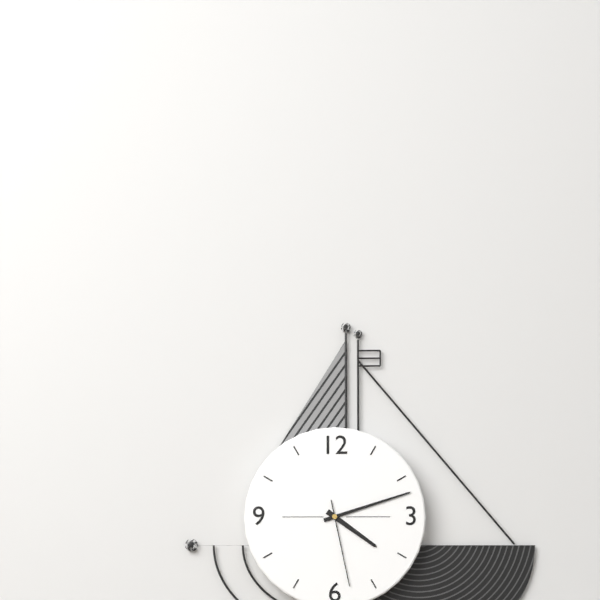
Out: 4h12m28s
